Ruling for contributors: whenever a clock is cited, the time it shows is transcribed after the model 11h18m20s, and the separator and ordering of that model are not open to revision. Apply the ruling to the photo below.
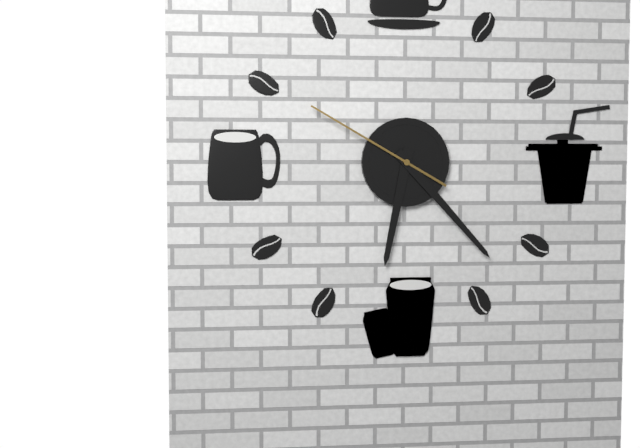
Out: 6h23m50s
